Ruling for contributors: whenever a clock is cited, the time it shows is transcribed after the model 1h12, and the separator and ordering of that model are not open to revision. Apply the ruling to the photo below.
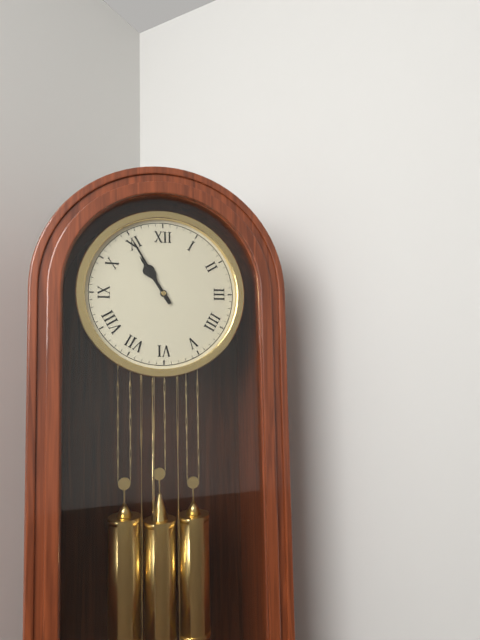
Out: 10h55
